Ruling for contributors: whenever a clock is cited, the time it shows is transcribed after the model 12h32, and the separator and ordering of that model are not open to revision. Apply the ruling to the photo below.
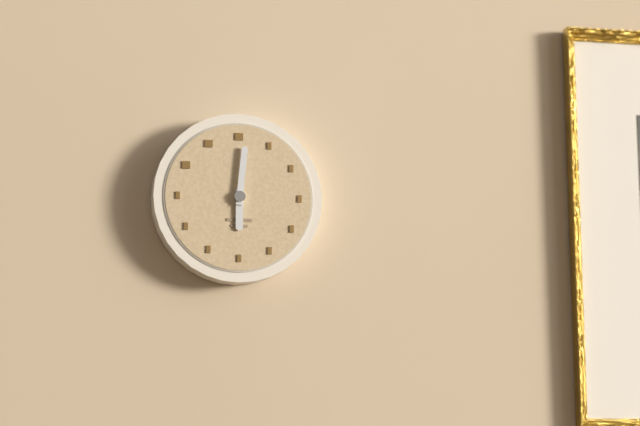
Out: 6h01
